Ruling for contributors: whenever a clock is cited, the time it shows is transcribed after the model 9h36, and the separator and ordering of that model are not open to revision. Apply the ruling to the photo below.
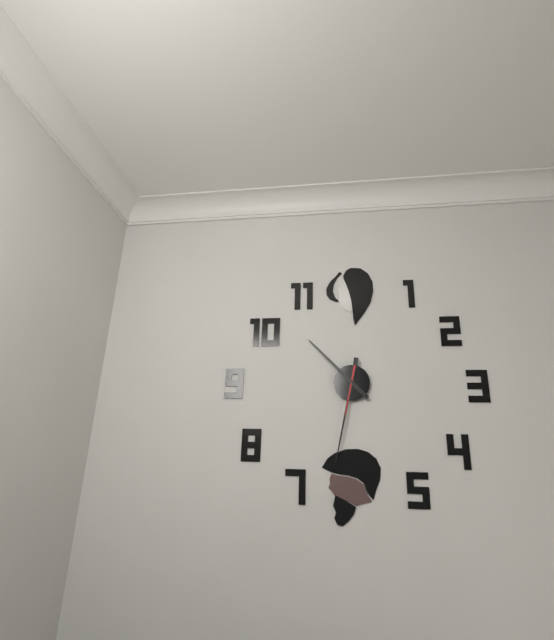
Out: 10h32
